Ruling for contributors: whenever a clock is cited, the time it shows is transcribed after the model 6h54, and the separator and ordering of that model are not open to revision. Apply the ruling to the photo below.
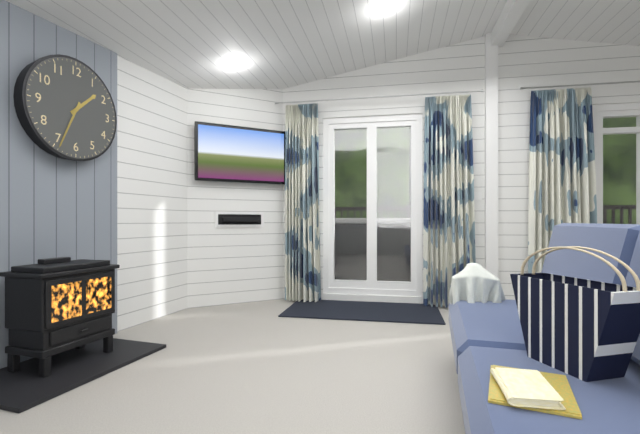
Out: 1h34
